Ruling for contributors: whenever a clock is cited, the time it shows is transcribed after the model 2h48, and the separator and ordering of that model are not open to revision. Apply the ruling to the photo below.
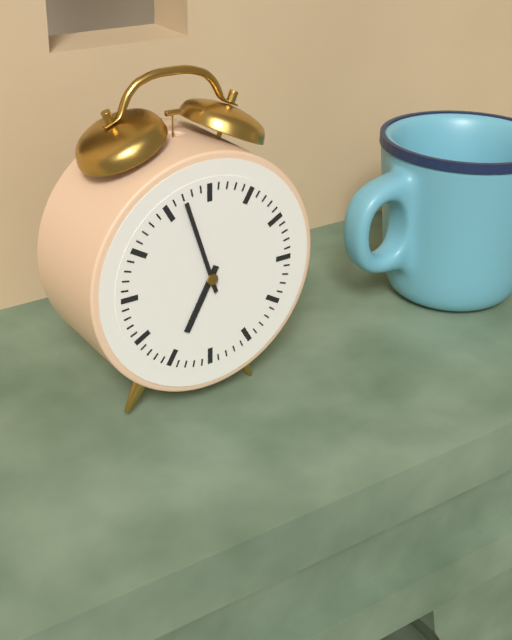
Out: 6h57
